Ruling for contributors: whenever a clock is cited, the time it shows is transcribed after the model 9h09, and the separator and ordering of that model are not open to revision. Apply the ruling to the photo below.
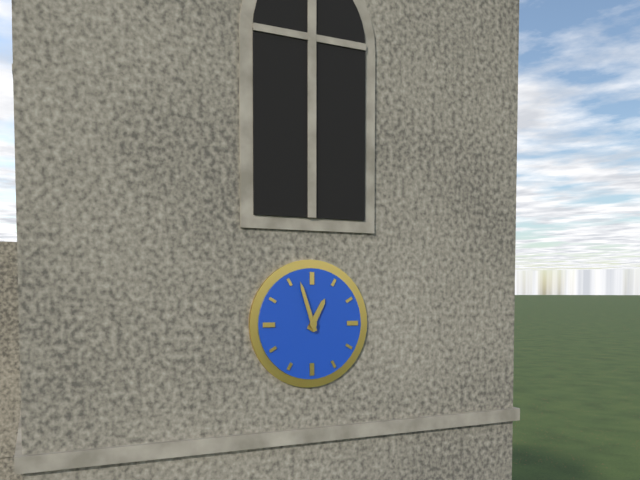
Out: 12h57
